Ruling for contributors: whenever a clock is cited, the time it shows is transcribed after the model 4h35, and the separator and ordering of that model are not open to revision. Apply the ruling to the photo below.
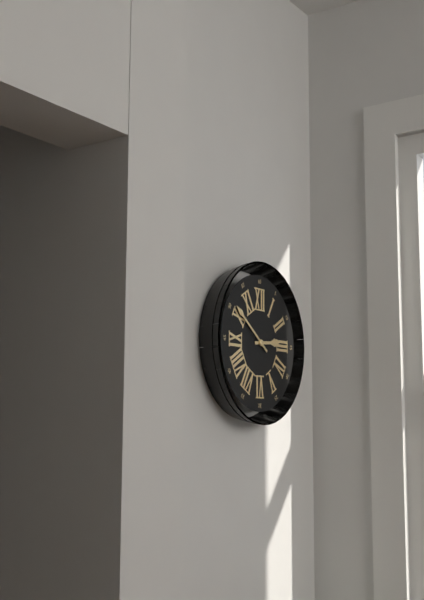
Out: 2h51
